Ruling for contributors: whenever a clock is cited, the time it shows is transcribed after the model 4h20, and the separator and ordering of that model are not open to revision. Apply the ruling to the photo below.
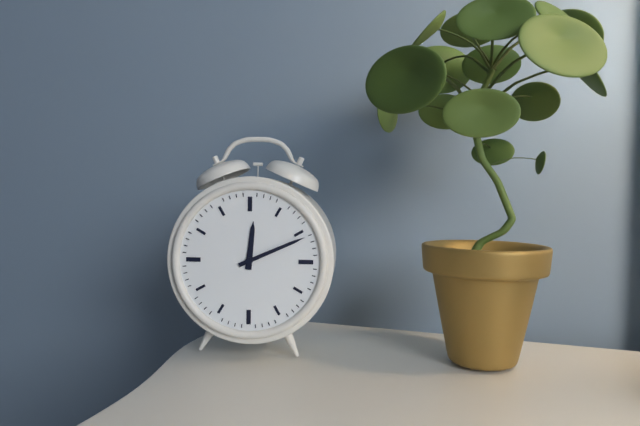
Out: 12h11
